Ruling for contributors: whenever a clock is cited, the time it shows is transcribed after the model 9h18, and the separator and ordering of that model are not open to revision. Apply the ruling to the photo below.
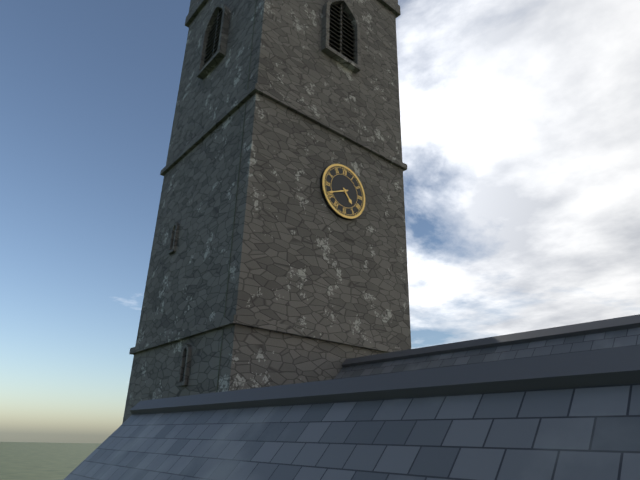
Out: 4h41
